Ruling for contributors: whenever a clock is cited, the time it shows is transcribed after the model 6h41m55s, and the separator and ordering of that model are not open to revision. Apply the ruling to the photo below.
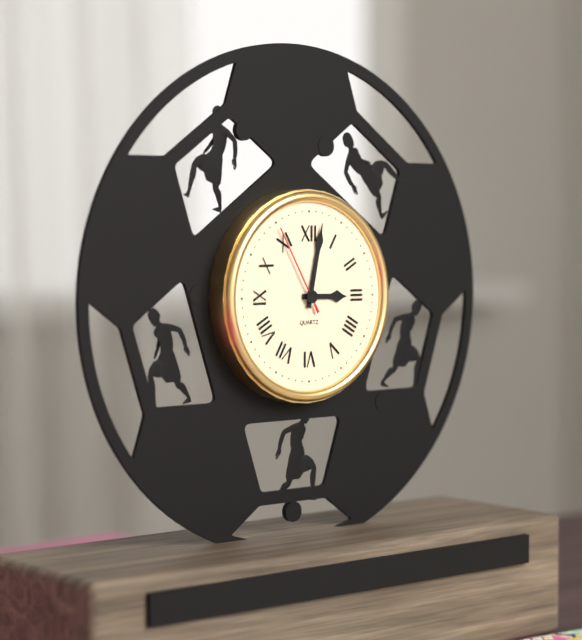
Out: 3h02m55s
